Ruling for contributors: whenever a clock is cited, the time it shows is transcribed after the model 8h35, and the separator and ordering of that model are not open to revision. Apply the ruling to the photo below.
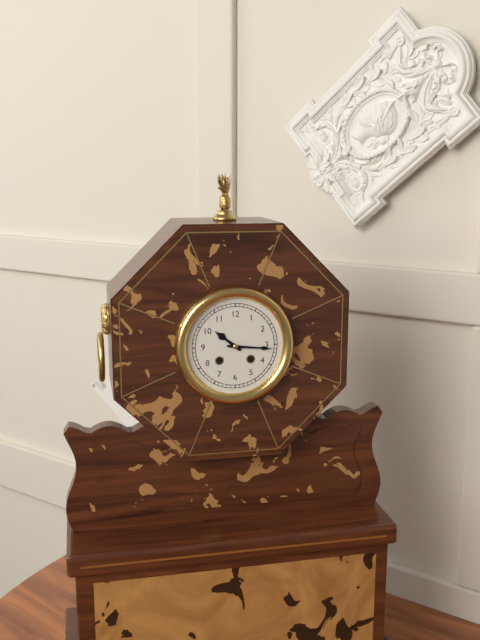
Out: 10h16
